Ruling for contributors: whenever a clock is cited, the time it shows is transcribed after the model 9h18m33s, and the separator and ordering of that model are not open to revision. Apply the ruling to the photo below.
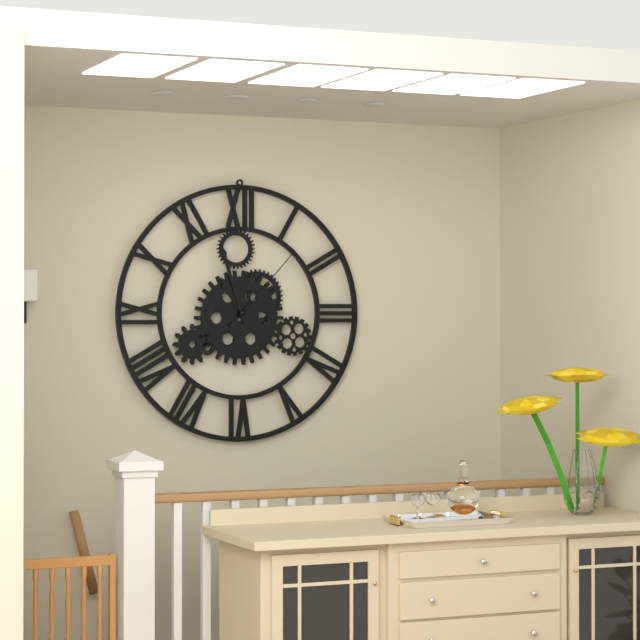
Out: 10h57m07s
